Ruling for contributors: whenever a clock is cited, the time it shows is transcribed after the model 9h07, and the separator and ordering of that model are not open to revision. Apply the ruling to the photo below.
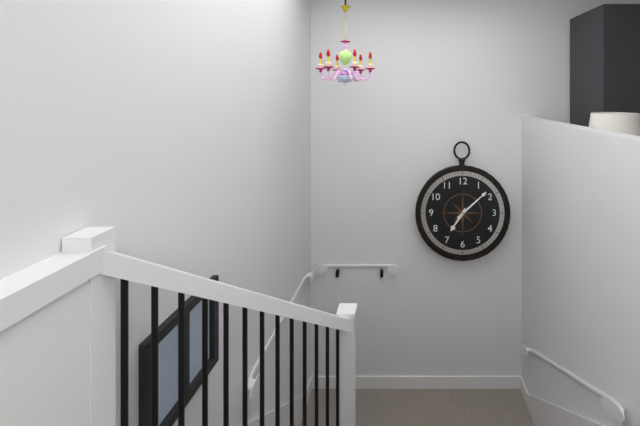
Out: 7h08
